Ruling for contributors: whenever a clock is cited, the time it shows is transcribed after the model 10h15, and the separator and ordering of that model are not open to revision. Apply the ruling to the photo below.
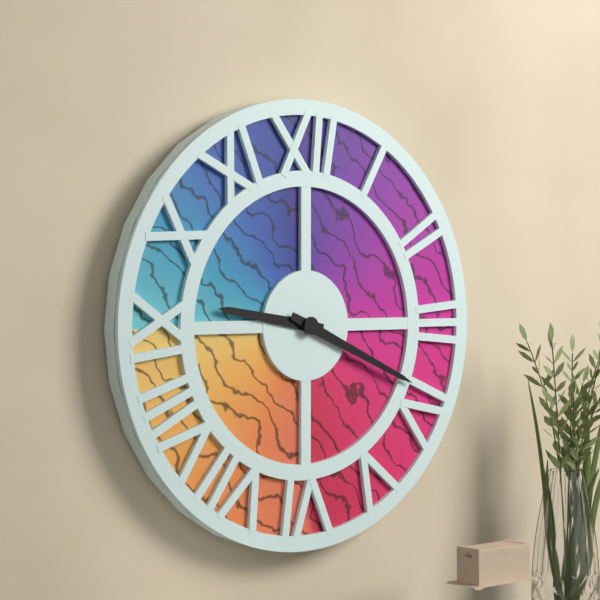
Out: 9h19
